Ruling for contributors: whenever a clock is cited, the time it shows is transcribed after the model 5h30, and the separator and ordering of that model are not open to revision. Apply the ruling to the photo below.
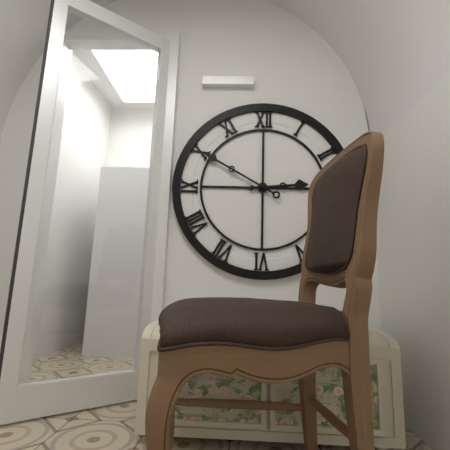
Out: 2h50
